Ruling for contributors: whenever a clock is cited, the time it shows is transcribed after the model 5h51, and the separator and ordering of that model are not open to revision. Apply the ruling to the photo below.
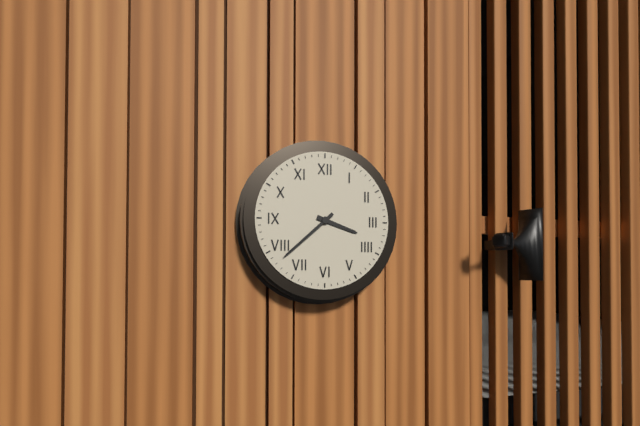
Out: 3h38
